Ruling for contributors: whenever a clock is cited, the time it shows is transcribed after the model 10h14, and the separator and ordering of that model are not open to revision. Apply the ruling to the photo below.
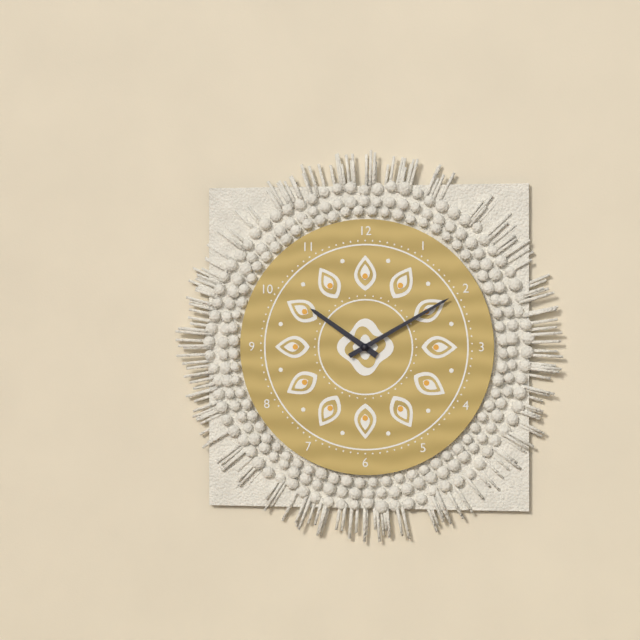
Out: 10h10
